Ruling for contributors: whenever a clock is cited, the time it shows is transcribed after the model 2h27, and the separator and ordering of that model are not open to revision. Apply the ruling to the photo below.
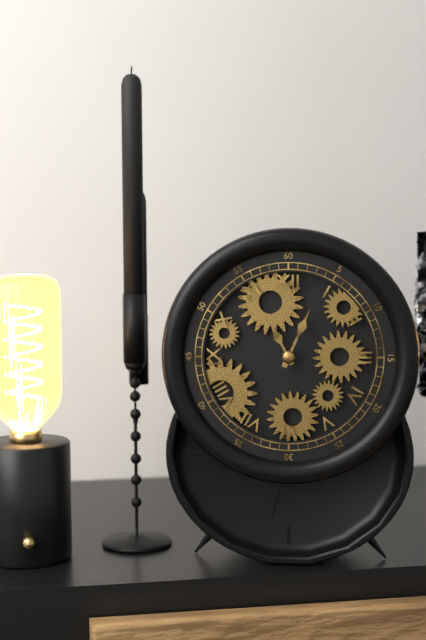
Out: 11h04
